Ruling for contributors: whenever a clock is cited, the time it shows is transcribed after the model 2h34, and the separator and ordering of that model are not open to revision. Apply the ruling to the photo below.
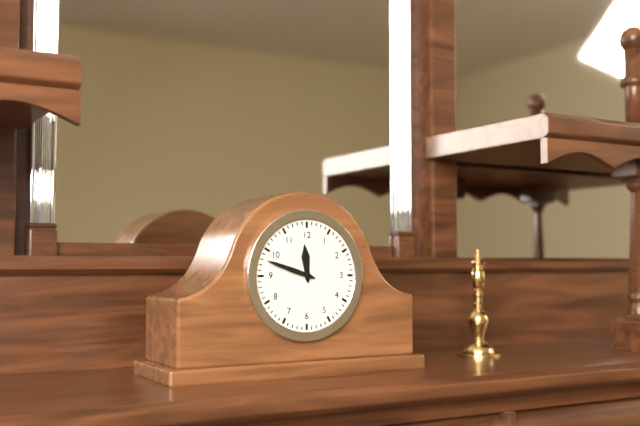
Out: 11h48
